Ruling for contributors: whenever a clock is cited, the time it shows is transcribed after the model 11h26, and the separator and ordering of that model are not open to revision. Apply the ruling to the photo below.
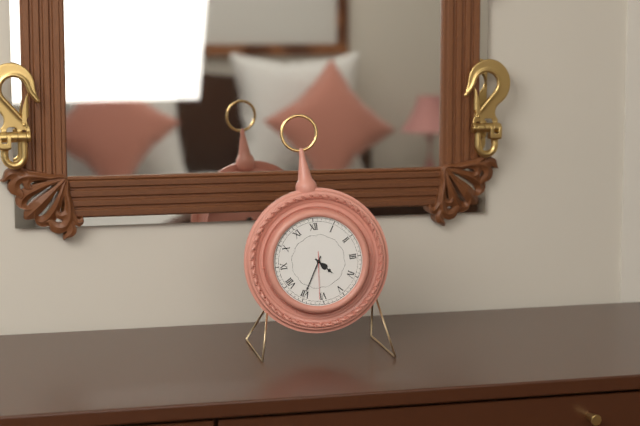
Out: 4h35
